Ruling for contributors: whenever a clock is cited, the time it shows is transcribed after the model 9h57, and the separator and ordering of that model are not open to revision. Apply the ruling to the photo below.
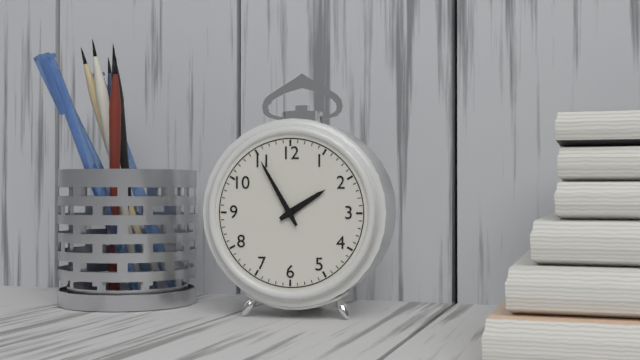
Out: 1h55
